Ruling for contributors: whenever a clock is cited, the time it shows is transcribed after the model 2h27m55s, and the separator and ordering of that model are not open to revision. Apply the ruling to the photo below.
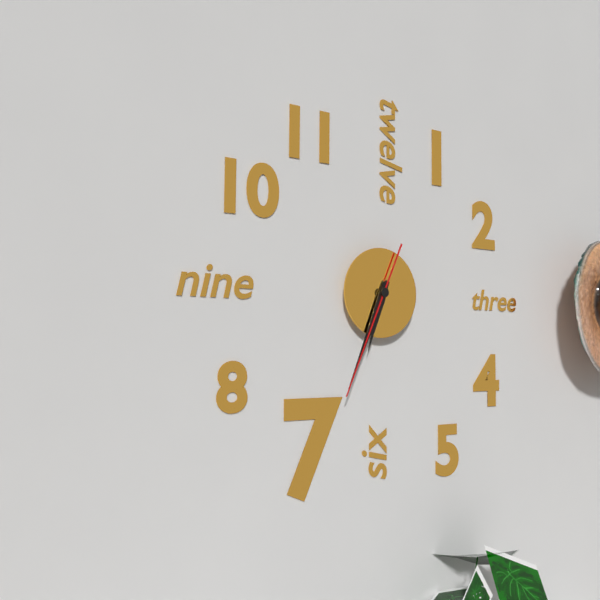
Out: 6h34m34s
